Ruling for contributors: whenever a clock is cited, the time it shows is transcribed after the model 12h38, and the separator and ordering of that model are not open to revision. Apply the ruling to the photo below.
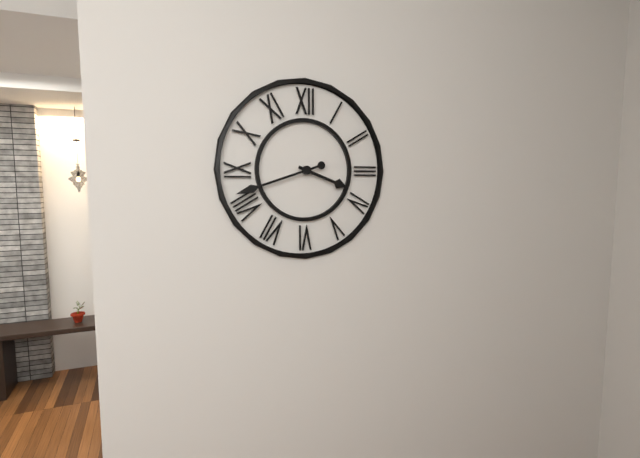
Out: 3h42
